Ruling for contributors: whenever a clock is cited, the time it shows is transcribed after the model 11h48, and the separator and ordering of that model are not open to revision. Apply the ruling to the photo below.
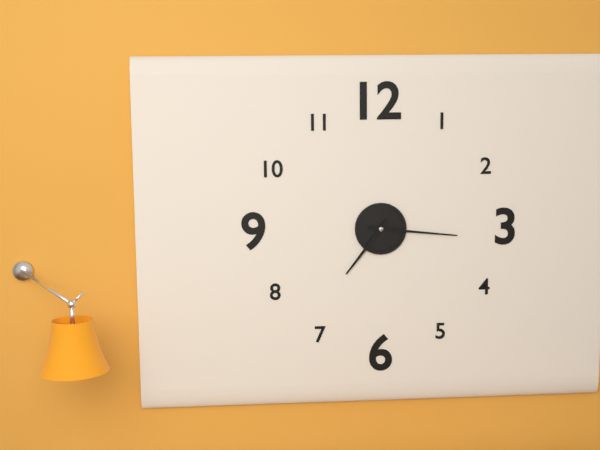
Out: 7h16
